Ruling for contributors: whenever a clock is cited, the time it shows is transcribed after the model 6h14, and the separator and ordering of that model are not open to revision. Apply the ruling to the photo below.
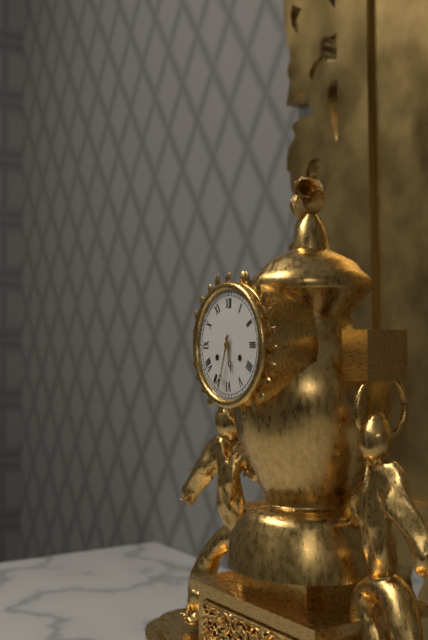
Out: 5h33
